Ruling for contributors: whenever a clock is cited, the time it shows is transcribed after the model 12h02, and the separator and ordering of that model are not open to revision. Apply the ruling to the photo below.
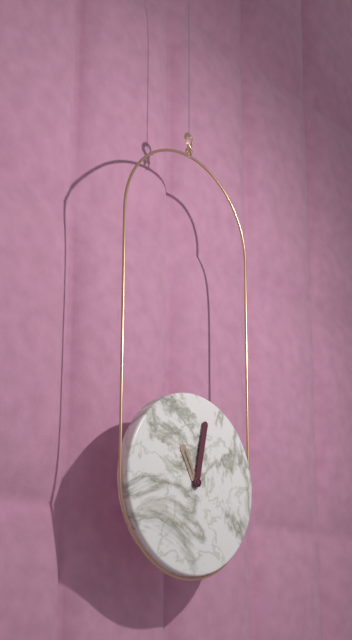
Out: 11h02
